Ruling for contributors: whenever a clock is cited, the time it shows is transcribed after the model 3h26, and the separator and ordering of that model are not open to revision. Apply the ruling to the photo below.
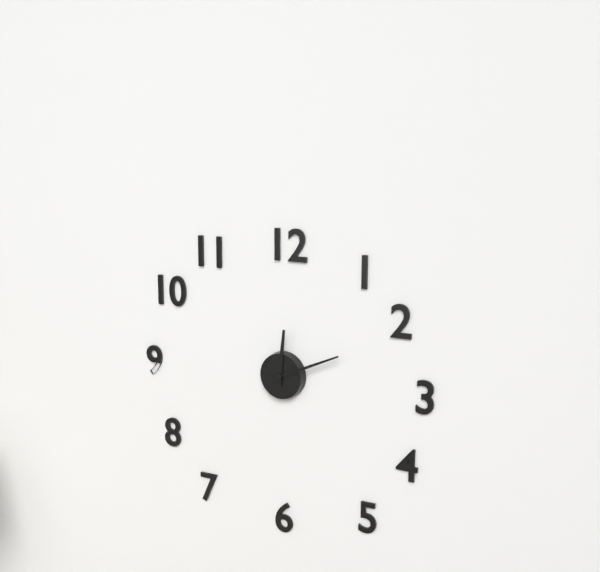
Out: 12h11
